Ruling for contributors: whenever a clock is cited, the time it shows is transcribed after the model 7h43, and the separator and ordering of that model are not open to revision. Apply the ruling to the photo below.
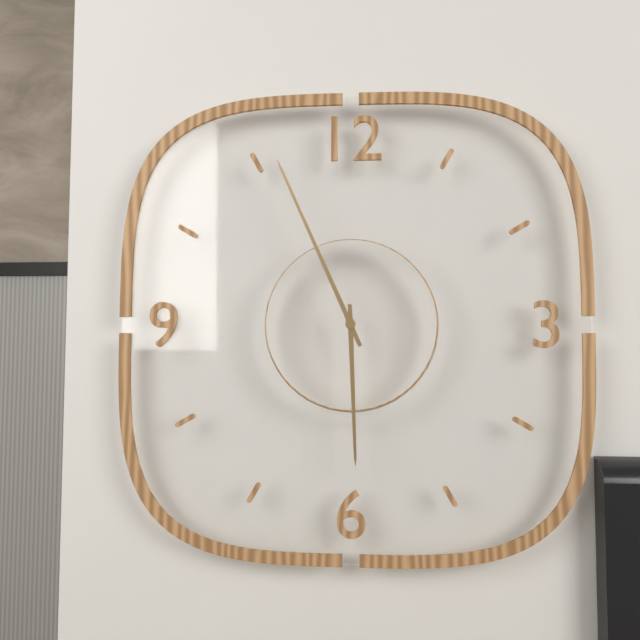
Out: 5h56
